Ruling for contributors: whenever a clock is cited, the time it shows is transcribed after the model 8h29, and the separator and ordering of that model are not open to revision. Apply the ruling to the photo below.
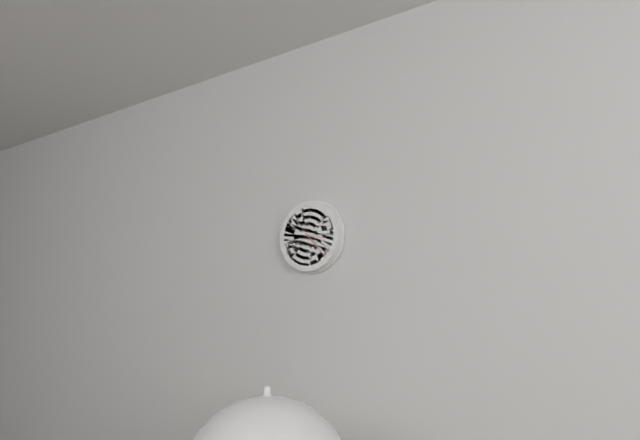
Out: 3h23
